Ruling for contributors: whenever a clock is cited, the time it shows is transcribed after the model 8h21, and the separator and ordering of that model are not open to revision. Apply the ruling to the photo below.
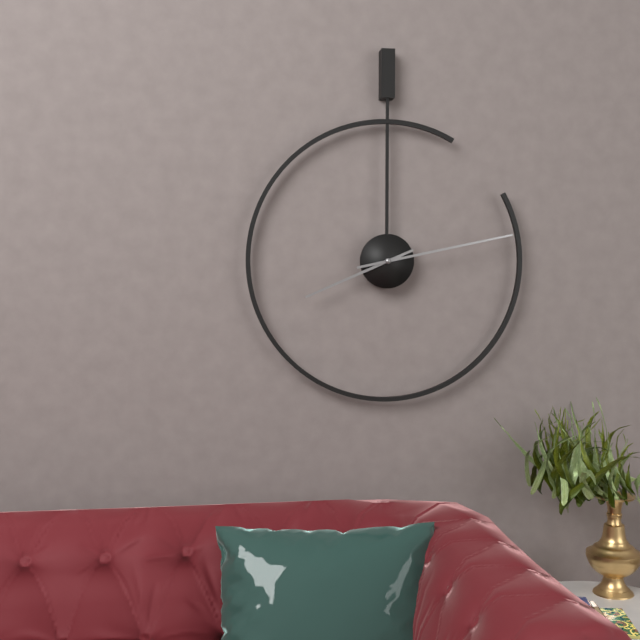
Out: 8h13
